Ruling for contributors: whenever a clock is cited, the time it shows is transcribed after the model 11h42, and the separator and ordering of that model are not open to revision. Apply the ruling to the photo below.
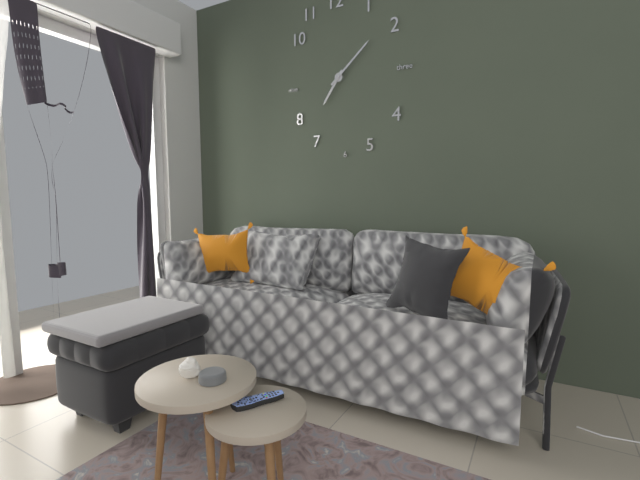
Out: 7h08
